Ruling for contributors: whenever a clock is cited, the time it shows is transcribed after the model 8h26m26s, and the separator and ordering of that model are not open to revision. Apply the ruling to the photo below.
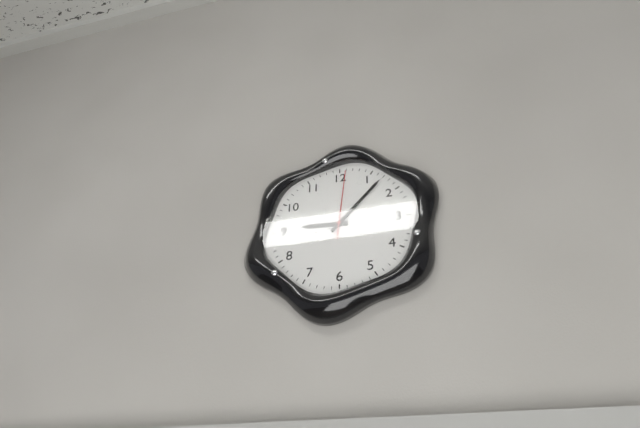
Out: 9h07m01s
